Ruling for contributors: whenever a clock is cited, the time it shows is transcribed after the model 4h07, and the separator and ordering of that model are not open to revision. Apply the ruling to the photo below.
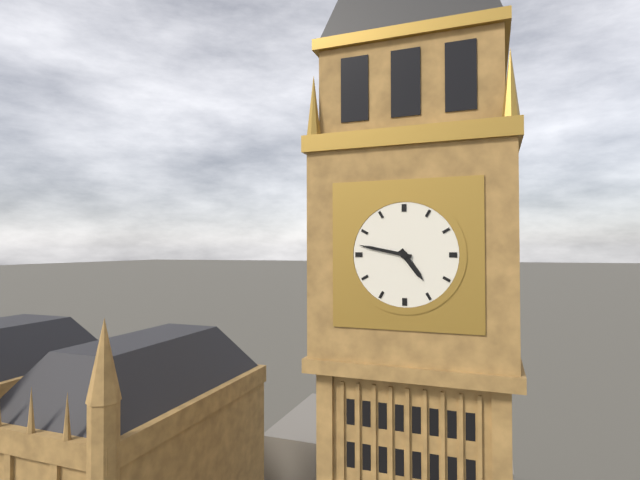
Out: 4h47
